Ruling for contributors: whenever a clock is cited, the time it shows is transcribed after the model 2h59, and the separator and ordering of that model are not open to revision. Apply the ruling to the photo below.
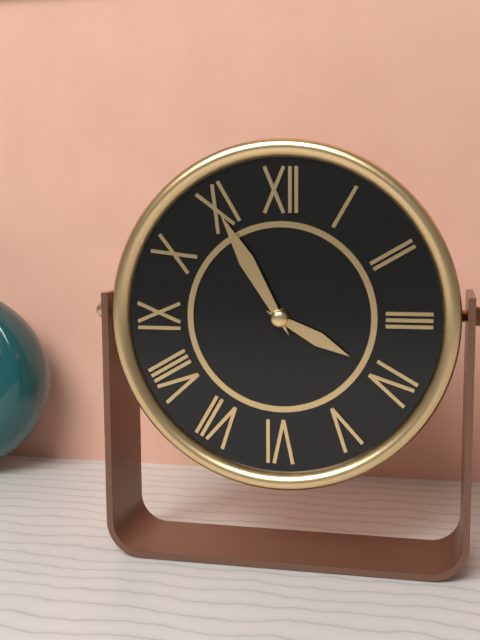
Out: 3h55
